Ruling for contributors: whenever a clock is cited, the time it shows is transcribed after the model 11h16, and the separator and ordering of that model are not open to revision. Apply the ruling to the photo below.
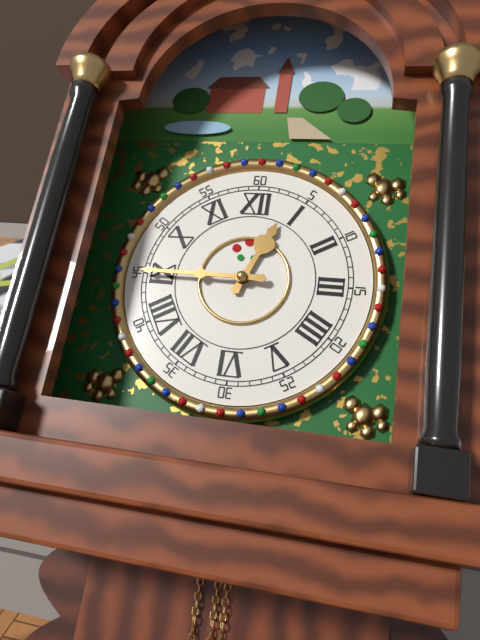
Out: 12h45
